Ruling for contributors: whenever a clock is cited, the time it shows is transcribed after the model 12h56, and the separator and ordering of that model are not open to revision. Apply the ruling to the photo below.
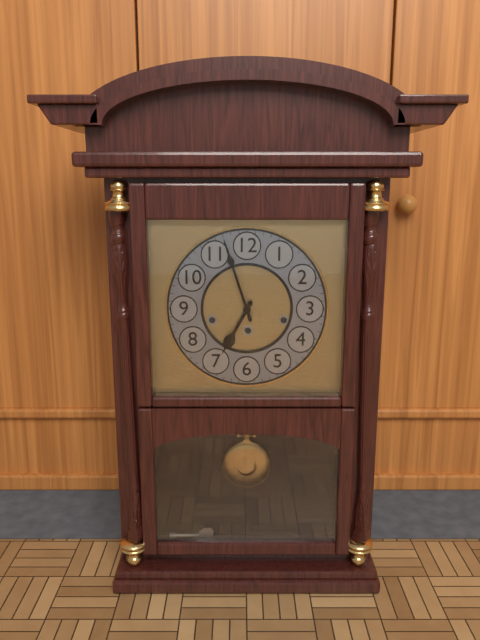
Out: 6h57
